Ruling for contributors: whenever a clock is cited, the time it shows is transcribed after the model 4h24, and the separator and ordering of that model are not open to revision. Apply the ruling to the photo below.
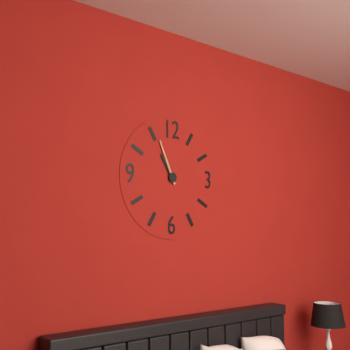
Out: 10h56
